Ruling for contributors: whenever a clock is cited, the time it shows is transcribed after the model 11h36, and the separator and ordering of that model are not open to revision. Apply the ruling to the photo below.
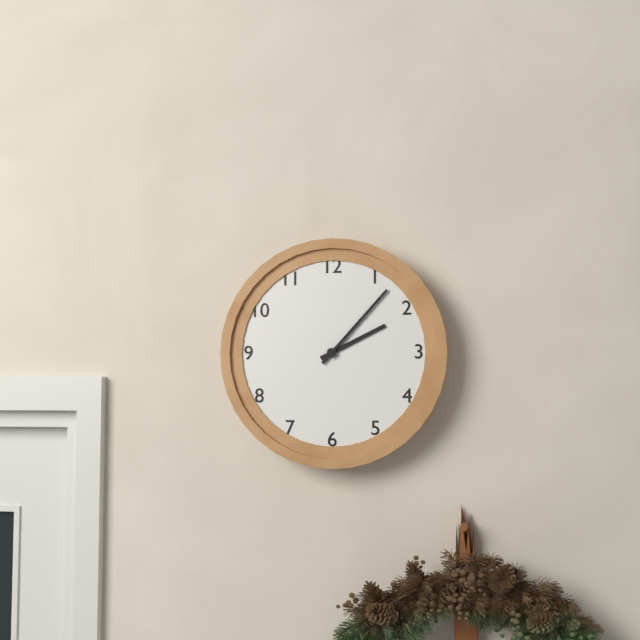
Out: 2h07
